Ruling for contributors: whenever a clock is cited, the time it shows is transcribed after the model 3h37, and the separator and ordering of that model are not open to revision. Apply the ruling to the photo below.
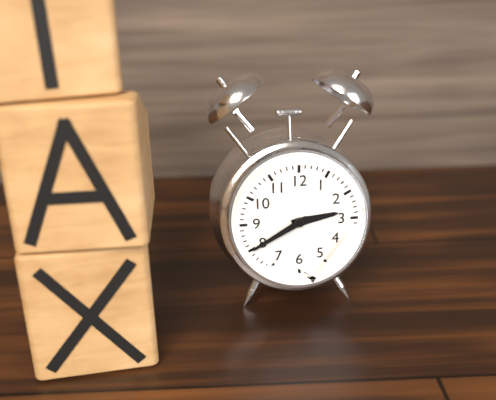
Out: 2h40
